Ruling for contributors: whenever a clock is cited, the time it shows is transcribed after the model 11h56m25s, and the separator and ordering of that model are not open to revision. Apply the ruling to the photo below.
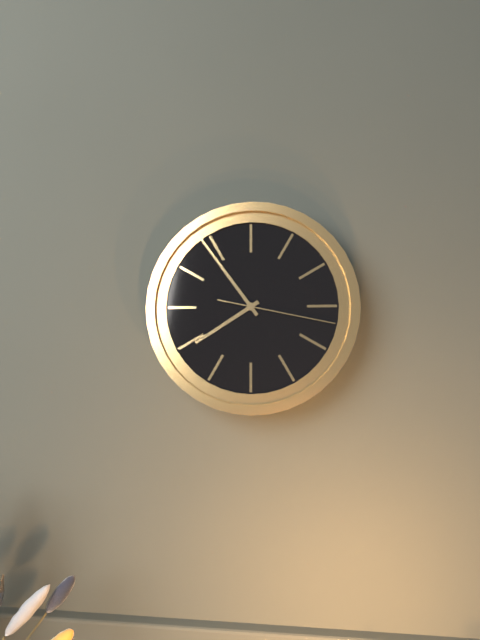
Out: 7h54m17s
